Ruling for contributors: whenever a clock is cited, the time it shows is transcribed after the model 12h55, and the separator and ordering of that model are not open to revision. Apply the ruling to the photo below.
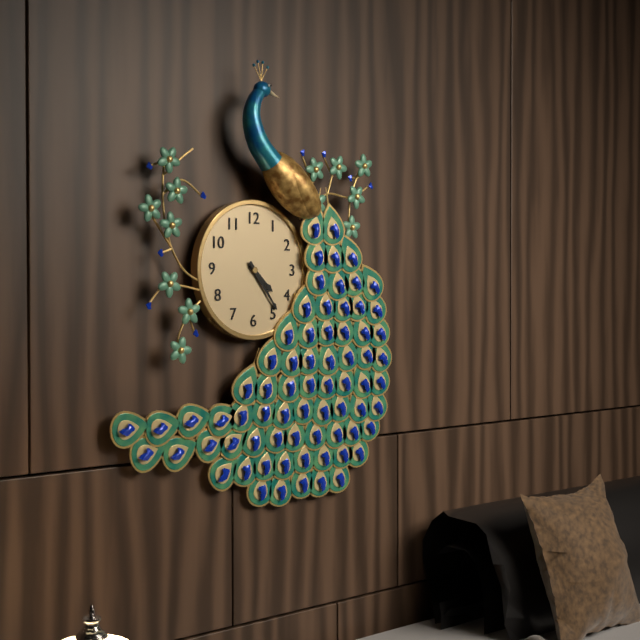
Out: 4h24
